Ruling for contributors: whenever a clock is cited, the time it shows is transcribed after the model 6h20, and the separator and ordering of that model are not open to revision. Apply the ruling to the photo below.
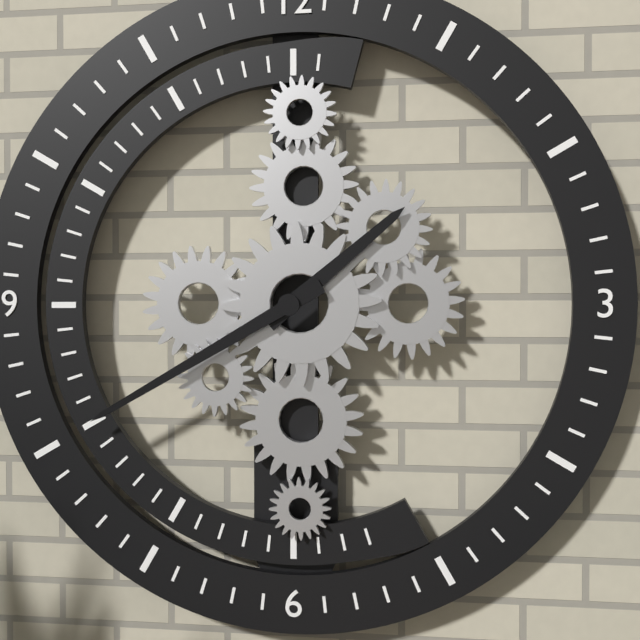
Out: 1h40
